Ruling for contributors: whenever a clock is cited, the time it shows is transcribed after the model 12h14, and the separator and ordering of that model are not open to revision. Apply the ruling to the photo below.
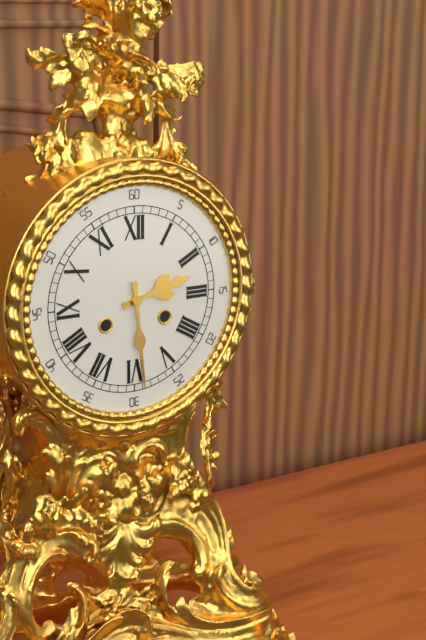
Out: 2h29
